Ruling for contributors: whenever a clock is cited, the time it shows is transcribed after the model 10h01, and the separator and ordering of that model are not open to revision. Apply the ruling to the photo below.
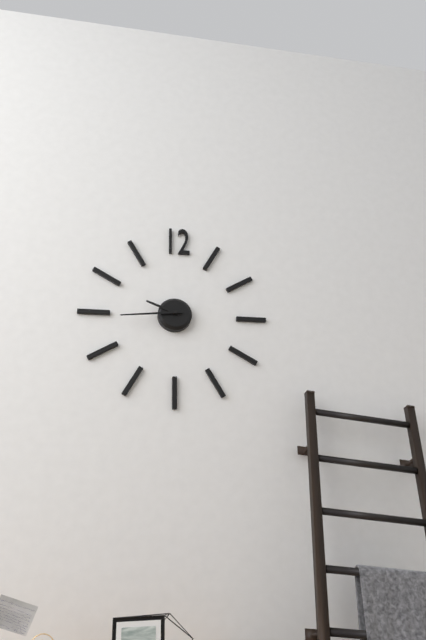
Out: 9h44
